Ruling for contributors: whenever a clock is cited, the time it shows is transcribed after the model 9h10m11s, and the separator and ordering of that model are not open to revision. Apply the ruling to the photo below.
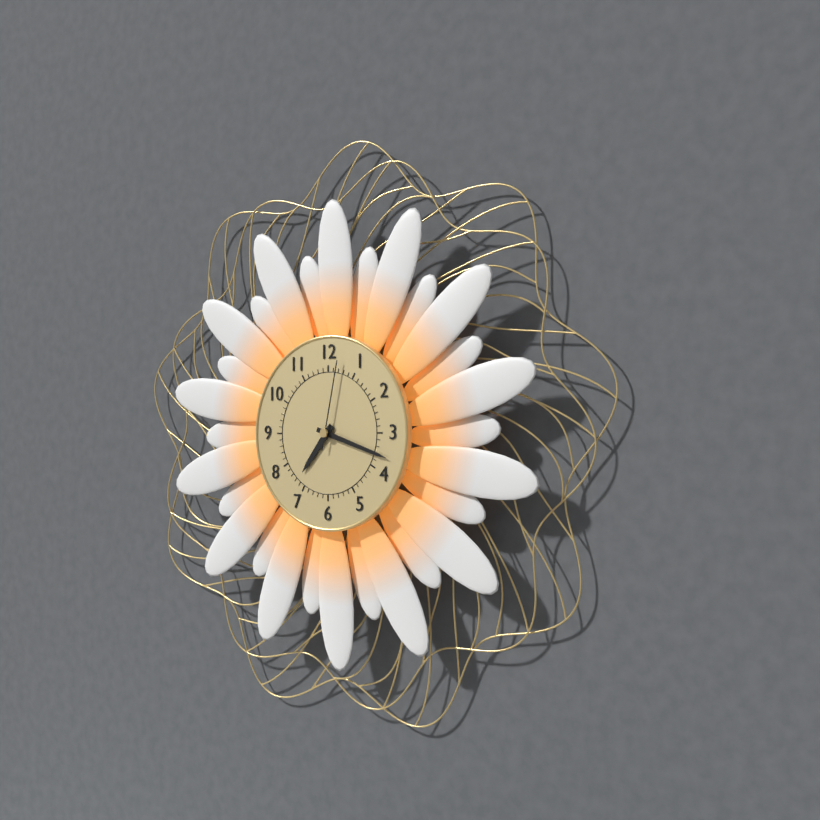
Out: 7h18m02s
